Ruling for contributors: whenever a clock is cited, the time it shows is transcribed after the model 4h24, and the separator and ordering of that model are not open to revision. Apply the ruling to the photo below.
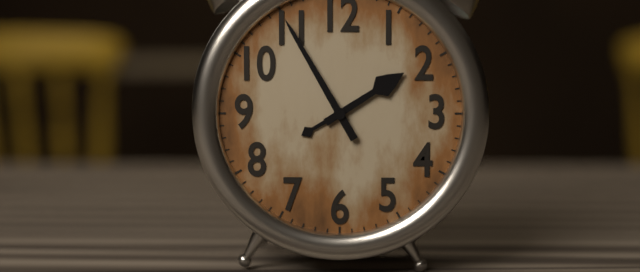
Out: 1h55
